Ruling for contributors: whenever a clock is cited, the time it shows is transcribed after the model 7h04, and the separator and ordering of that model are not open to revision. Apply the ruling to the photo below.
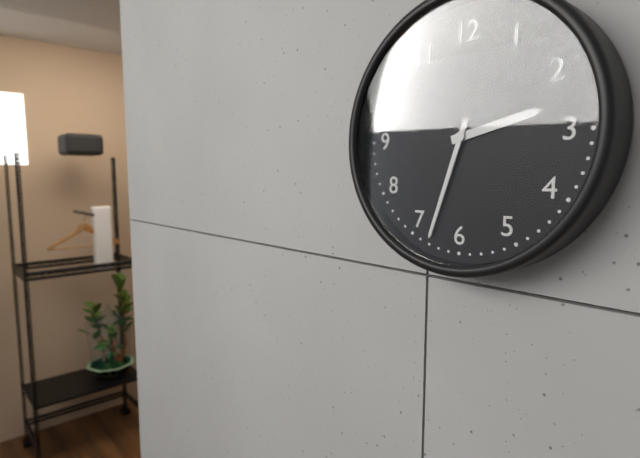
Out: 2h33
